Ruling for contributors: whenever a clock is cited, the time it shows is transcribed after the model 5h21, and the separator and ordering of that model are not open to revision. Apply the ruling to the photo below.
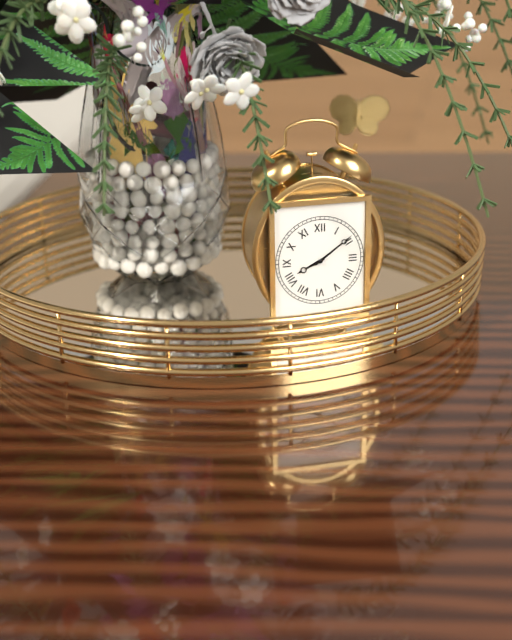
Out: 8h09
